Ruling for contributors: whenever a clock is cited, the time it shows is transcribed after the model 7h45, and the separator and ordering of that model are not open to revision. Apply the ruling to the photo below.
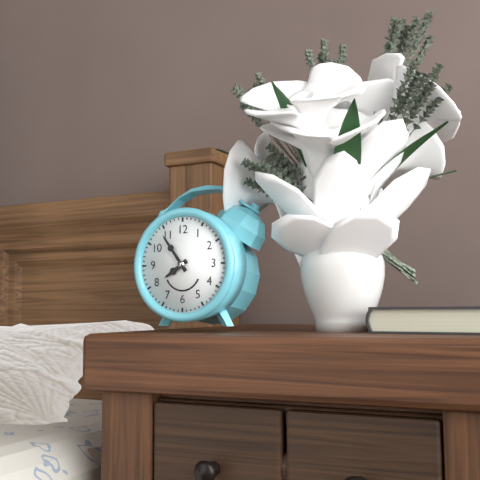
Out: 7h54
